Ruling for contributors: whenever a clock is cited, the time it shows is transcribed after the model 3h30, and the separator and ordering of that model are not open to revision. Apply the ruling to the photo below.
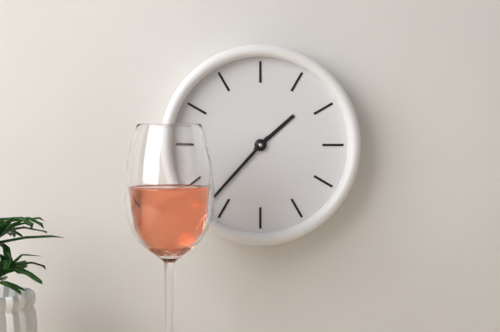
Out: 1h37
